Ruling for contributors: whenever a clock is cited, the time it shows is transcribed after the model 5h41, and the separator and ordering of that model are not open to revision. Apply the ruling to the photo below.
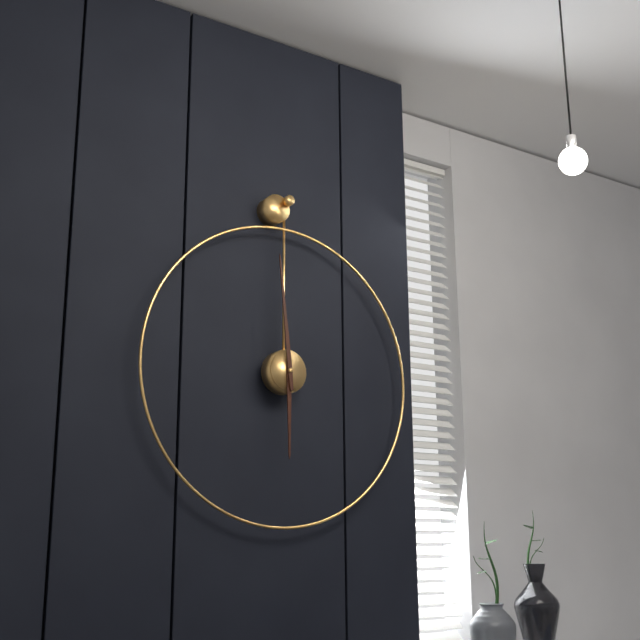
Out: 5h59
